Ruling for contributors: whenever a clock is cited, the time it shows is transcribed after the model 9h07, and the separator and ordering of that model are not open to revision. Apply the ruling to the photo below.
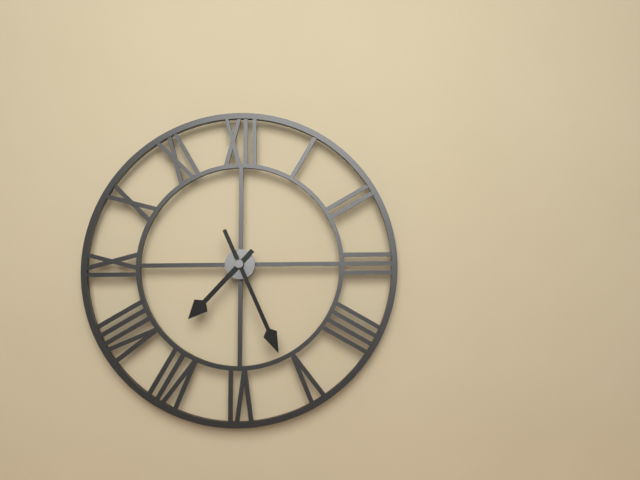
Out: 7h26
